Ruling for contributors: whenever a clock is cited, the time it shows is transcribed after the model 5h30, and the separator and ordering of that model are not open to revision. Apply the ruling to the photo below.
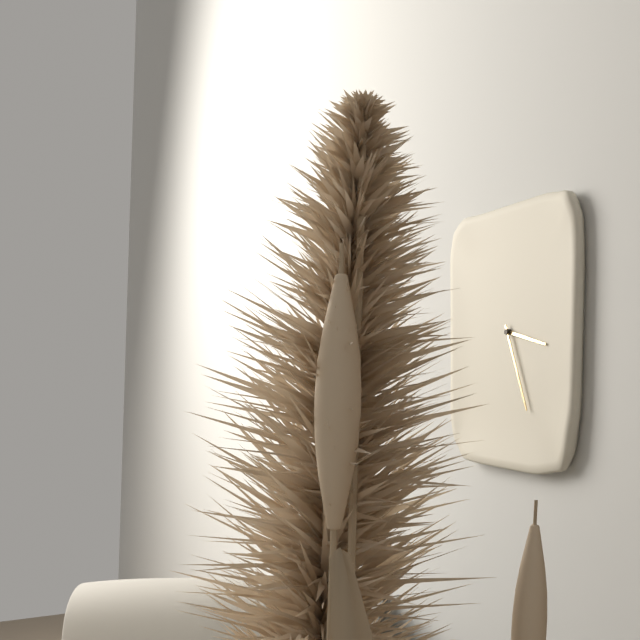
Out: 3h26
